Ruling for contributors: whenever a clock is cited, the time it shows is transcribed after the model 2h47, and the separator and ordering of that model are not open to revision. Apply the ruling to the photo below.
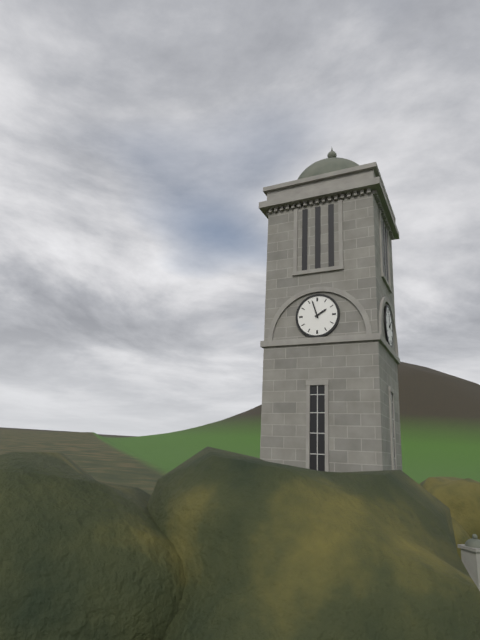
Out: 1h57
